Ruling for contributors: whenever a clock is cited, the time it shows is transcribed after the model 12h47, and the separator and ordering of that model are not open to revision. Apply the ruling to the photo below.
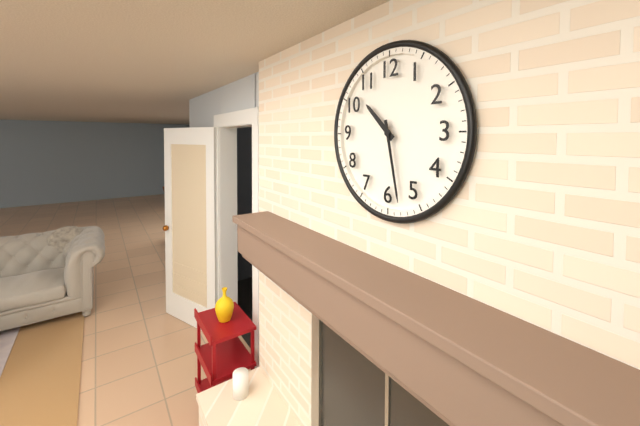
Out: 10h28
